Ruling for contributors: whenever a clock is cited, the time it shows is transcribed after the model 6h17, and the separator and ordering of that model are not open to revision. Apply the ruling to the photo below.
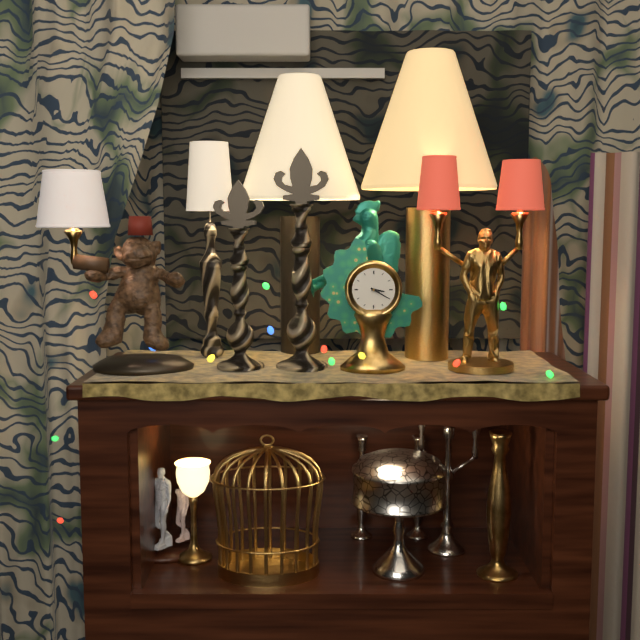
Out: 3h20
